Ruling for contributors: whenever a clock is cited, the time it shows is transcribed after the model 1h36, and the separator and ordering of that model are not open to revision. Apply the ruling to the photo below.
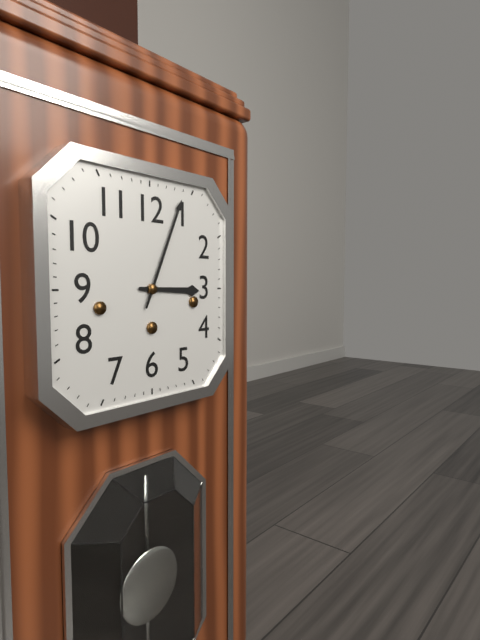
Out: 3h04
